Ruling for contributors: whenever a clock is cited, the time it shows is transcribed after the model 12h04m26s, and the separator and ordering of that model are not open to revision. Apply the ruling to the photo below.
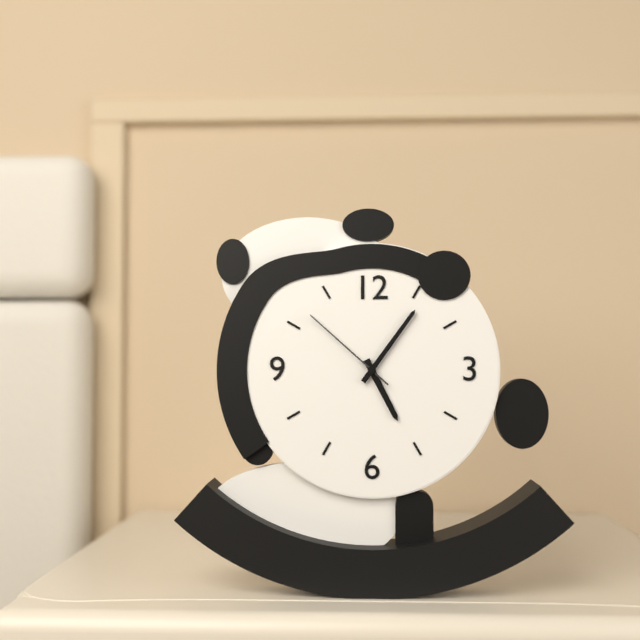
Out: 5h06m52s
